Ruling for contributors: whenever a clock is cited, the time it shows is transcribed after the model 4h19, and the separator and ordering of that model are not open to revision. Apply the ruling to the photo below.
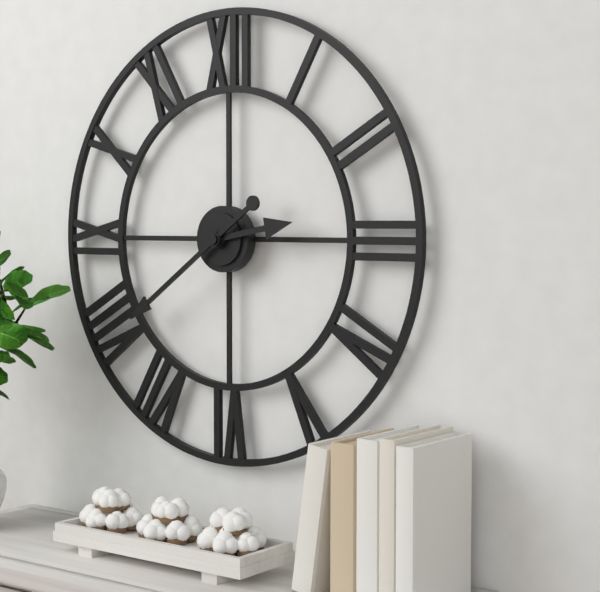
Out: 2h39
